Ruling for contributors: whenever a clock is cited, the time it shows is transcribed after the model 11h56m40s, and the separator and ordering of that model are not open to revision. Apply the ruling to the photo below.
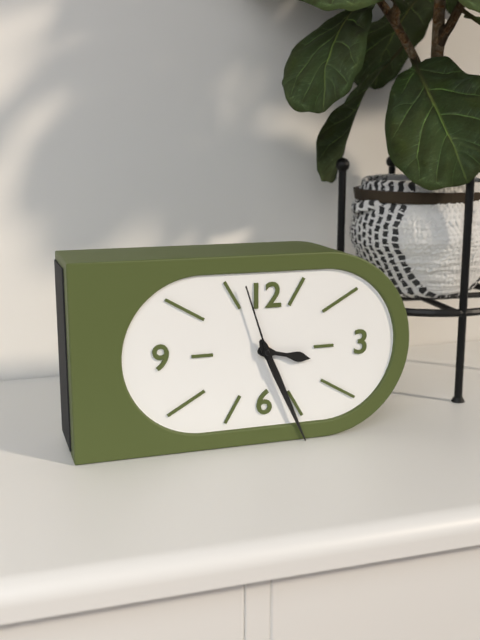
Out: 3h26m57s
